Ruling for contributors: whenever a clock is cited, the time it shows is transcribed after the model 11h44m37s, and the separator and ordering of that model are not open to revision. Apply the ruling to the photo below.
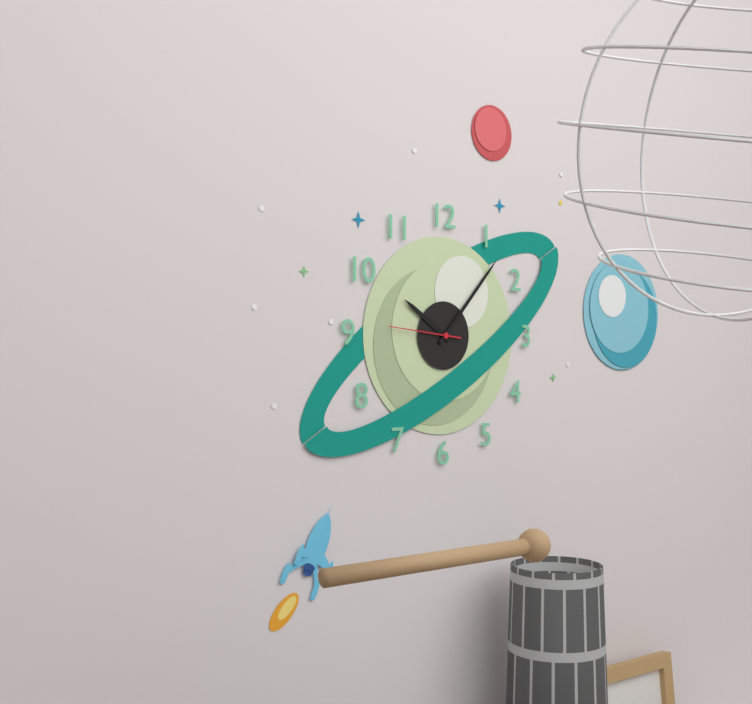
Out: 10h07m46s
